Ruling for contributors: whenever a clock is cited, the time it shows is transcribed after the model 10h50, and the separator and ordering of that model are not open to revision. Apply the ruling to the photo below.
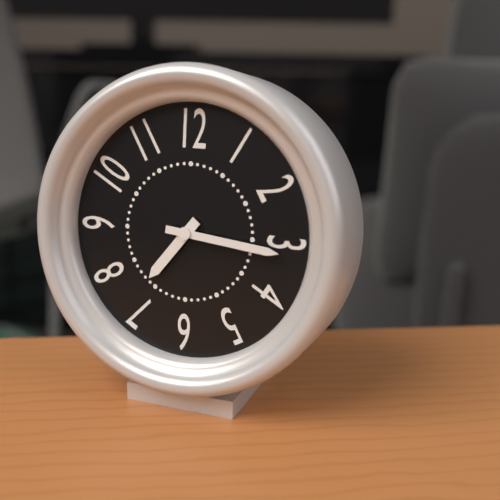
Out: 7h16
